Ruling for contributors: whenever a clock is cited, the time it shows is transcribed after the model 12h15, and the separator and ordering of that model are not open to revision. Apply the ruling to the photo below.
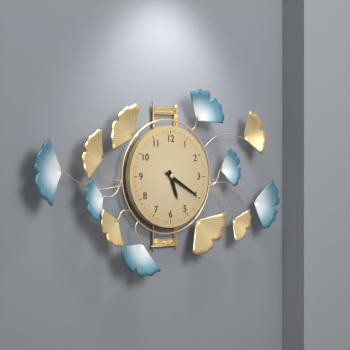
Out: 5h20
